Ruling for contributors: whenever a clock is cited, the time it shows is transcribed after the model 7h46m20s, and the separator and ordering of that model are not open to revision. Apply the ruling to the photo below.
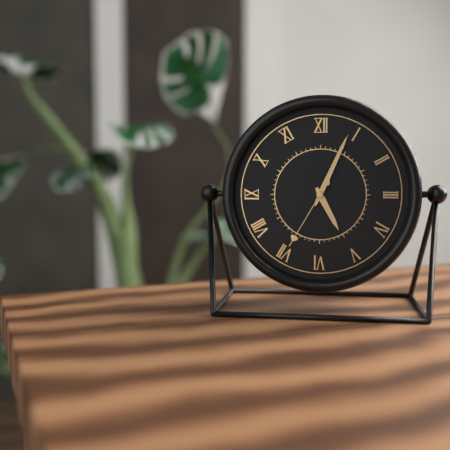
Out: 5h04m35s
